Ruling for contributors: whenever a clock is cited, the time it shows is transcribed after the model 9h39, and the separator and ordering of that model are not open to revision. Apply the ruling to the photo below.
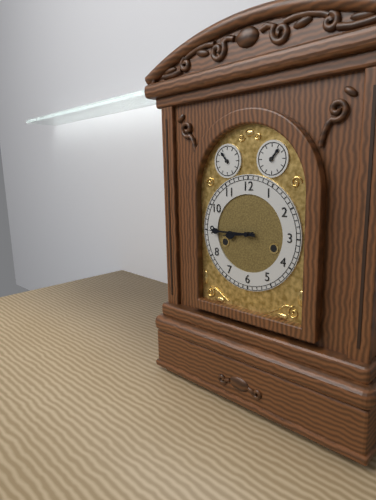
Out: 8h45
